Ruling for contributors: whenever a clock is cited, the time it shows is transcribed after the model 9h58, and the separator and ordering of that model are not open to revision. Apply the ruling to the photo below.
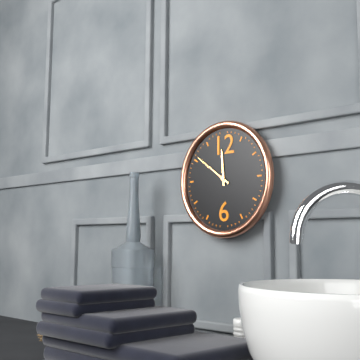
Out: 11h51
